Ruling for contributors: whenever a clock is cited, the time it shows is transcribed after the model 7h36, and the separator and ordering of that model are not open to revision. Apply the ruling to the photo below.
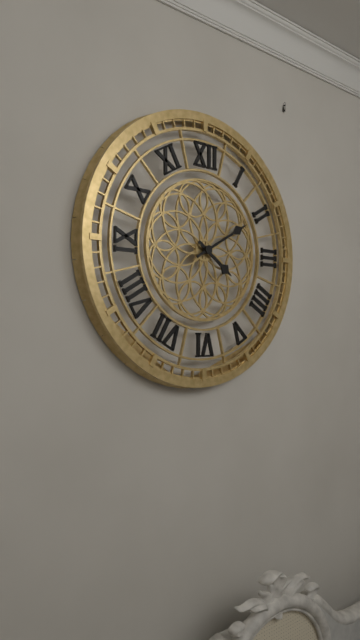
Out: 4h10
